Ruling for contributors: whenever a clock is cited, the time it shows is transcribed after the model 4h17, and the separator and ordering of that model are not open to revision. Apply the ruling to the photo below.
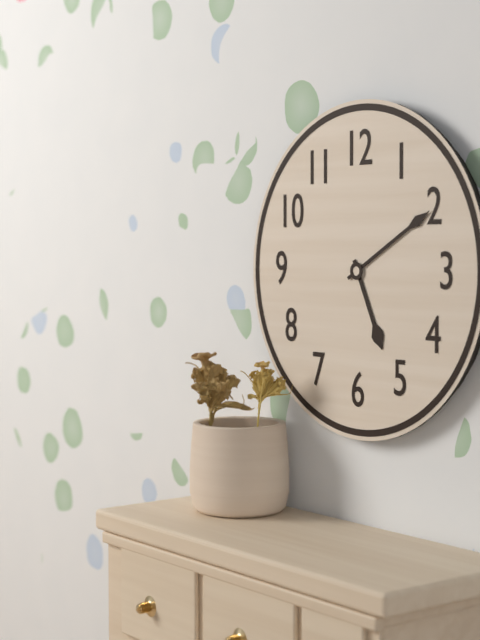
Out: 5h10
